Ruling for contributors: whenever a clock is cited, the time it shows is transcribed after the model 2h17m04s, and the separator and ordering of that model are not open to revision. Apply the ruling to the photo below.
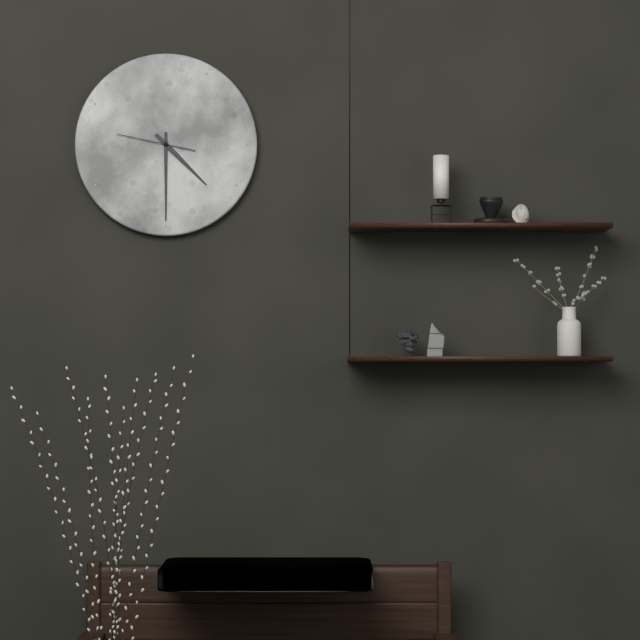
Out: 4h30m47s
